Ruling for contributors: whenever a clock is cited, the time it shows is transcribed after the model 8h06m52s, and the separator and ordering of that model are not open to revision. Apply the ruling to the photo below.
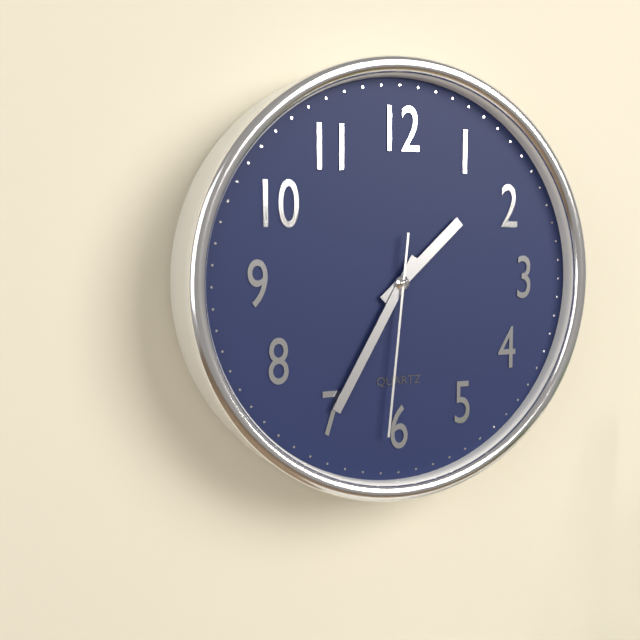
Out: 1h35m31s
